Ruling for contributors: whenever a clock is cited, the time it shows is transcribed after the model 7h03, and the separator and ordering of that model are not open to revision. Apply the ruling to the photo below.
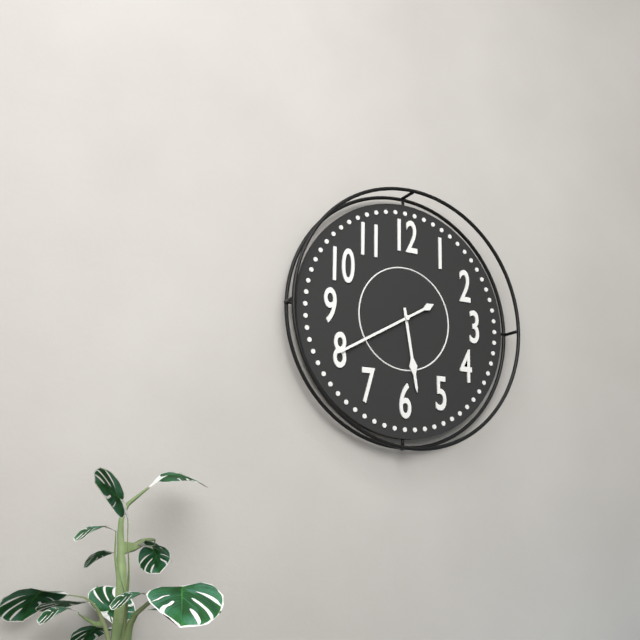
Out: 5h40
